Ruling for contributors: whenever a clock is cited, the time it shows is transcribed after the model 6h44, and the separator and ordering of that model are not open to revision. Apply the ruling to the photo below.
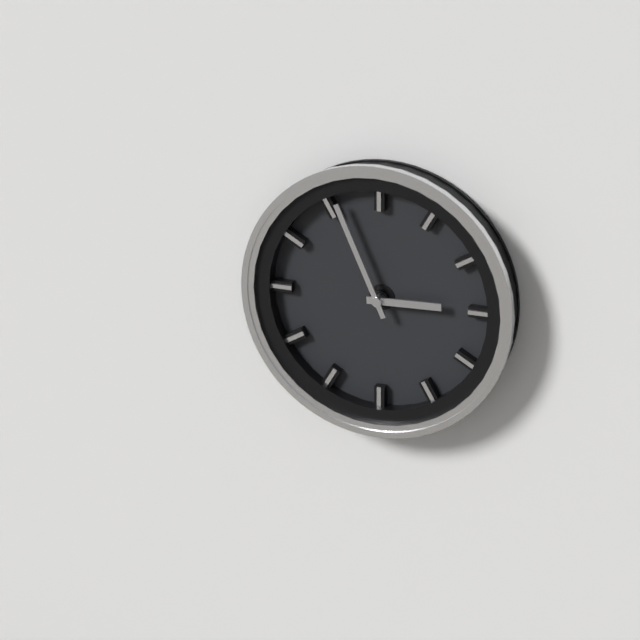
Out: 2h56
